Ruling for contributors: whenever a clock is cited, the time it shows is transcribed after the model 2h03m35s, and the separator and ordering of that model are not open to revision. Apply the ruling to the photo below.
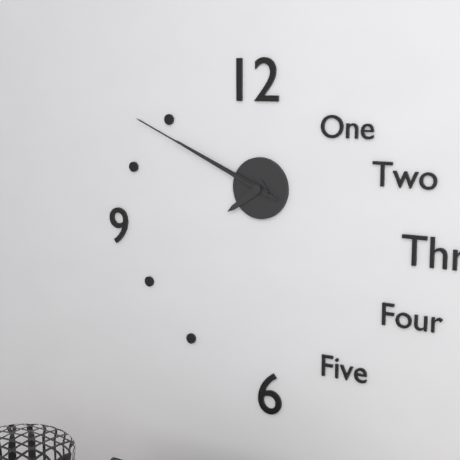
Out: 7h49m49s
